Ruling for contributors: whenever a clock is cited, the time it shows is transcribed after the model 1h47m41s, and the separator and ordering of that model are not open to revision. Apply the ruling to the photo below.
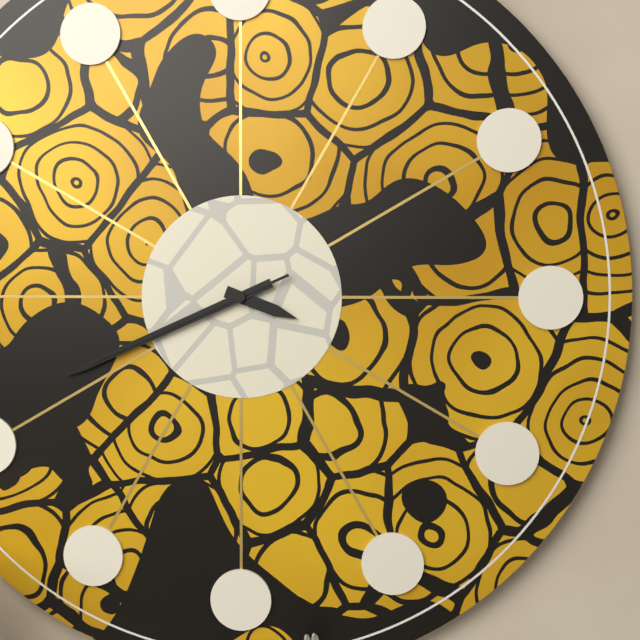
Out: 3h41m41s
